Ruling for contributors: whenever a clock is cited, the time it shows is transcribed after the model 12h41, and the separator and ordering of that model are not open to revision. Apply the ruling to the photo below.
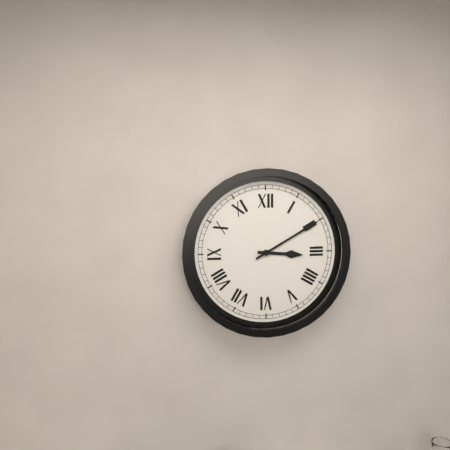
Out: 3h10
